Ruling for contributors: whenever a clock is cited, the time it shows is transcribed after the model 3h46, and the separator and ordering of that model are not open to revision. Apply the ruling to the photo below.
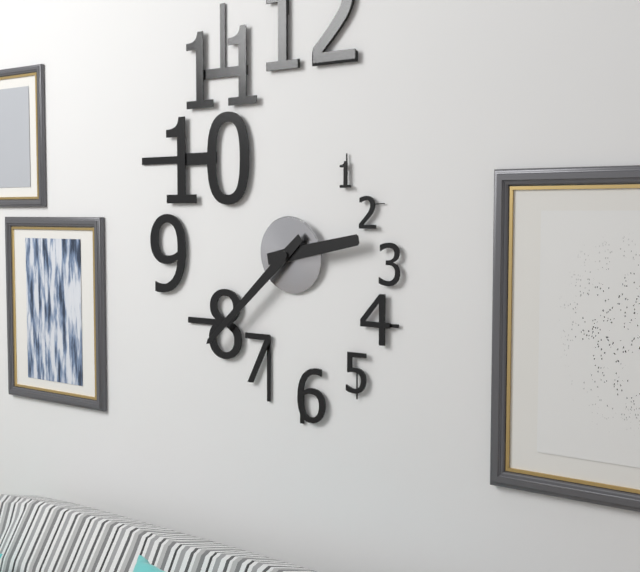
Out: 2h38
